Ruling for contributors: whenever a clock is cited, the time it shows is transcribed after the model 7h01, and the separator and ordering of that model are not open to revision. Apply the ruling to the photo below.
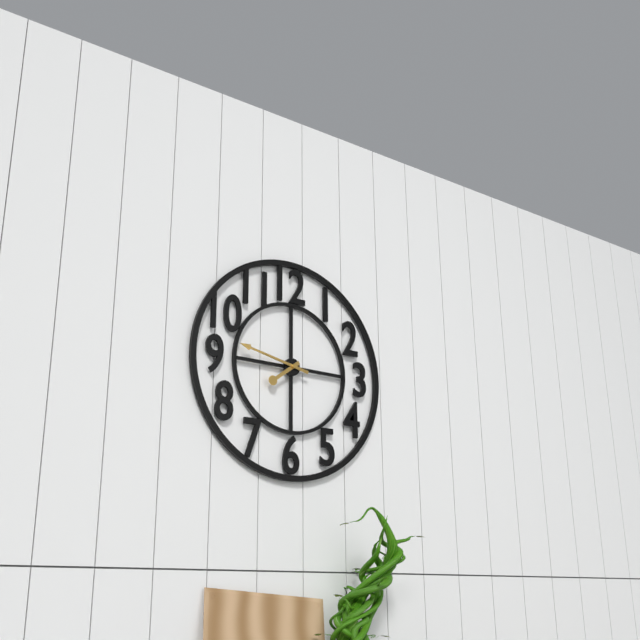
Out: 7h47
